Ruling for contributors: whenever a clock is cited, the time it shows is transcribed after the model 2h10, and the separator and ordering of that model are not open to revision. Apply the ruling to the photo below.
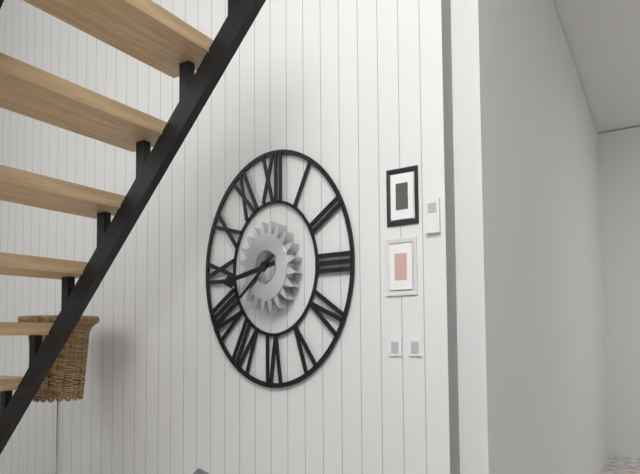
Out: 8h39
